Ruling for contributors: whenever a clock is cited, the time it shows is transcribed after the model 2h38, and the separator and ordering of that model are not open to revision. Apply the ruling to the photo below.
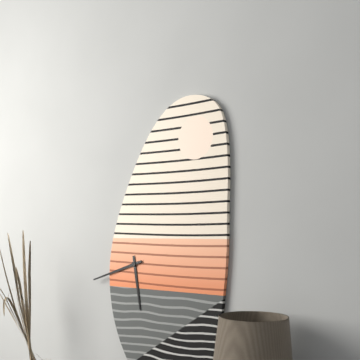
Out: 5h42
